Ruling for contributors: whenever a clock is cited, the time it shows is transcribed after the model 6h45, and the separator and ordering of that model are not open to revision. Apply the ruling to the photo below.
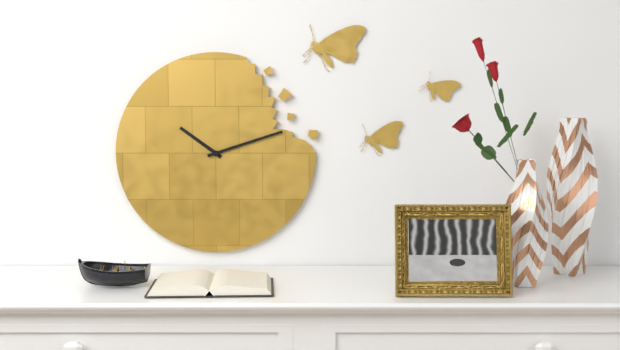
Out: 10h12
